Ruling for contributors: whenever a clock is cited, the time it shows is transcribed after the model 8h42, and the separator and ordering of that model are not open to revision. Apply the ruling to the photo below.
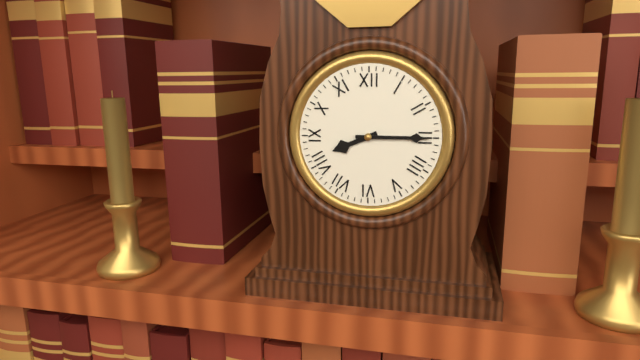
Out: 8h15
